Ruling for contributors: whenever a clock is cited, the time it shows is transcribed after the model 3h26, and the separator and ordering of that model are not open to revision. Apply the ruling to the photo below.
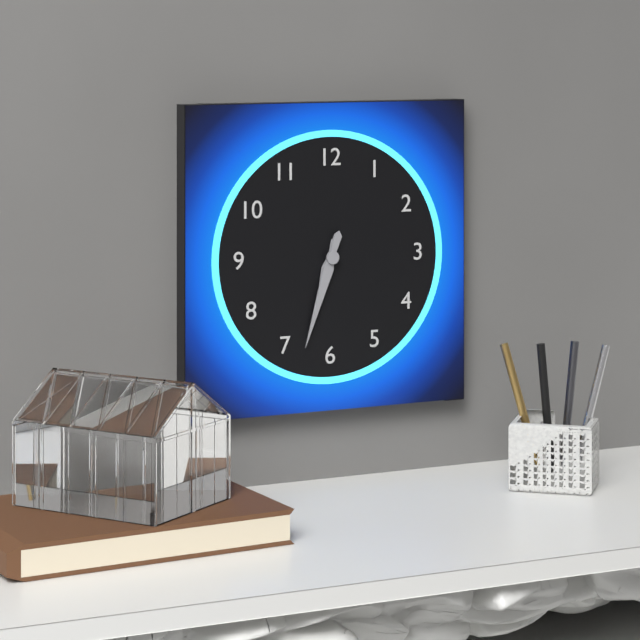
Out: 6h33
